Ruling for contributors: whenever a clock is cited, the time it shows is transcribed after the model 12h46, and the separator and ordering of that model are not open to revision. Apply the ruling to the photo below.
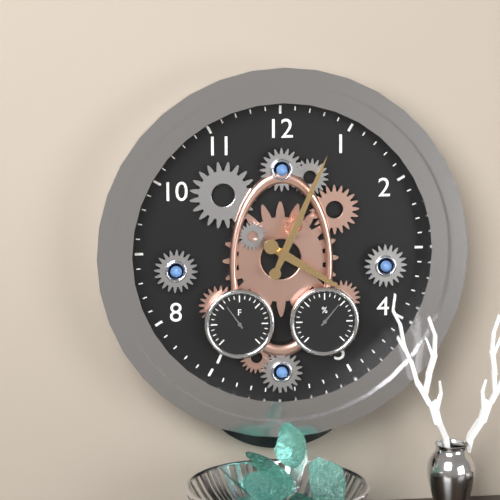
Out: 4h04
